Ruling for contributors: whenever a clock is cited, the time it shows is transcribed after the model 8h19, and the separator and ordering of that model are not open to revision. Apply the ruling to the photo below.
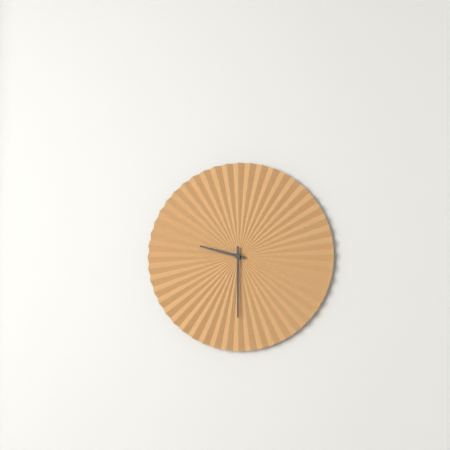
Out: 9h30
